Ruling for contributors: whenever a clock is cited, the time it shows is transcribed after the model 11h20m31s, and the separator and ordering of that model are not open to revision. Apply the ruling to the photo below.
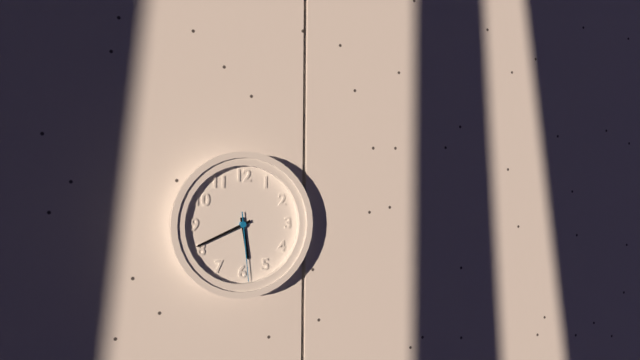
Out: 5h41m29s
